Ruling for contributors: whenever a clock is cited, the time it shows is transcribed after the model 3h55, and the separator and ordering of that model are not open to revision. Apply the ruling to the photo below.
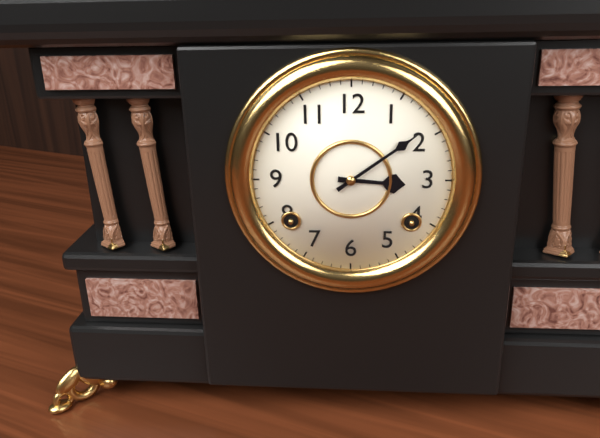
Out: 3h09
